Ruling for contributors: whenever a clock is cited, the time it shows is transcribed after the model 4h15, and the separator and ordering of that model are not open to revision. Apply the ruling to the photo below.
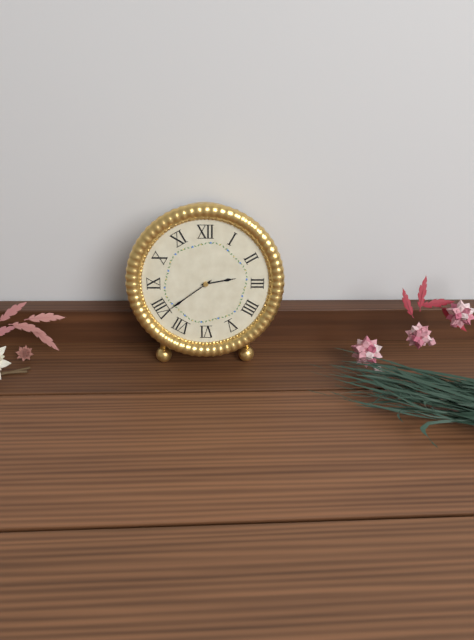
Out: 2h39
